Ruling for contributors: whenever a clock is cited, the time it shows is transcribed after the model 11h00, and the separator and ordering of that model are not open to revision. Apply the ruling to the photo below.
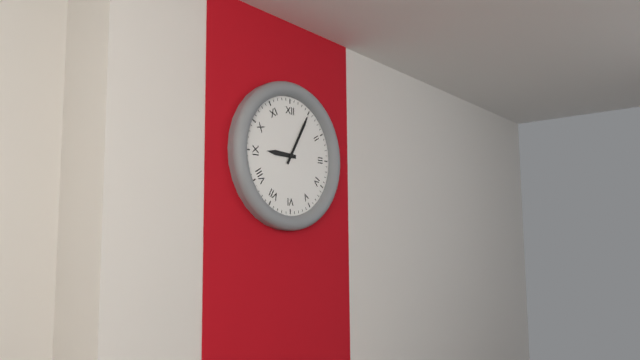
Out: 9h05
